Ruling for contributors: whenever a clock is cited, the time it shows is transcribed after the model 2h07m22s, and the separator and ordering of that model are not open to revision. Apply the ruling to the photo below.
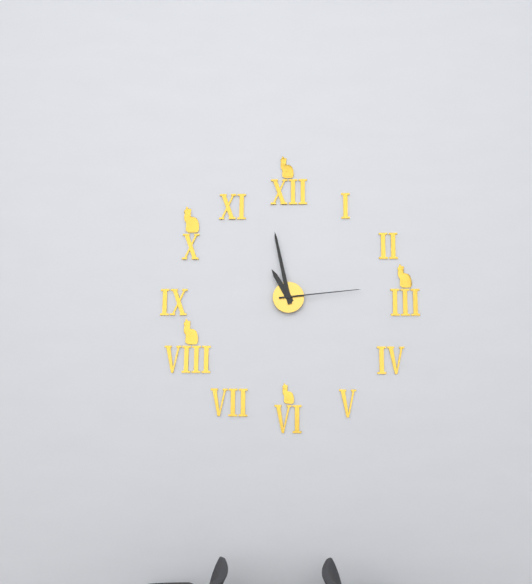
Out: 10h58m14s
